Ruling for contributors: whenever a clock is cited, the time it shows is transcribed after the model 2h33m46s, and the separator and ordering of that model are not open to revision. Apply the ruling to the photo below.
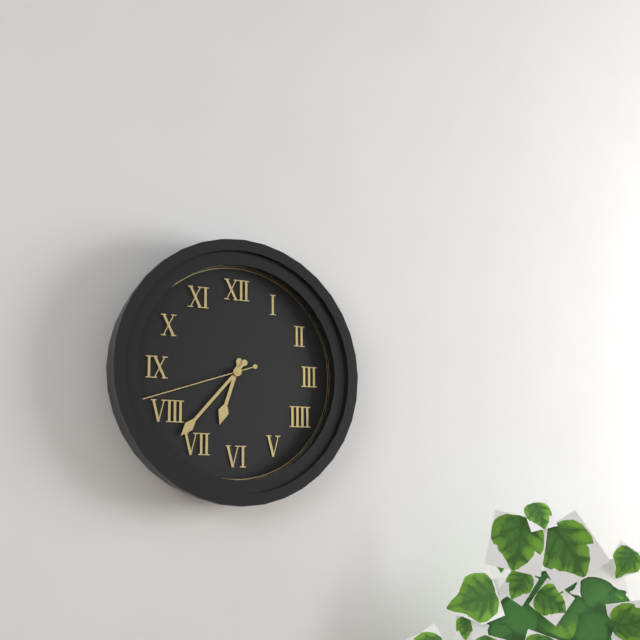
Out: 6h37m42s
